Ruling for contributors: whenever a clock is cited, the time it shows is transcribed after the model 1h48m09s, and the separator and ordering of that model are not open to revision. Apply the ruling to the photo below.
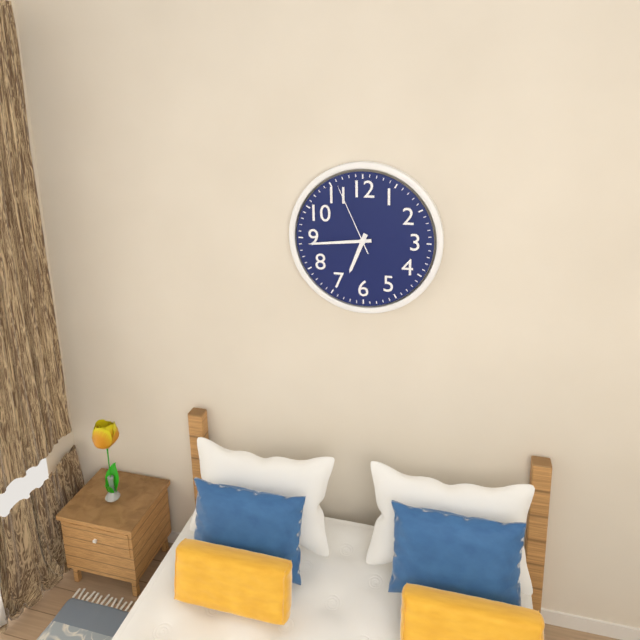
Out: 6h44m56s
